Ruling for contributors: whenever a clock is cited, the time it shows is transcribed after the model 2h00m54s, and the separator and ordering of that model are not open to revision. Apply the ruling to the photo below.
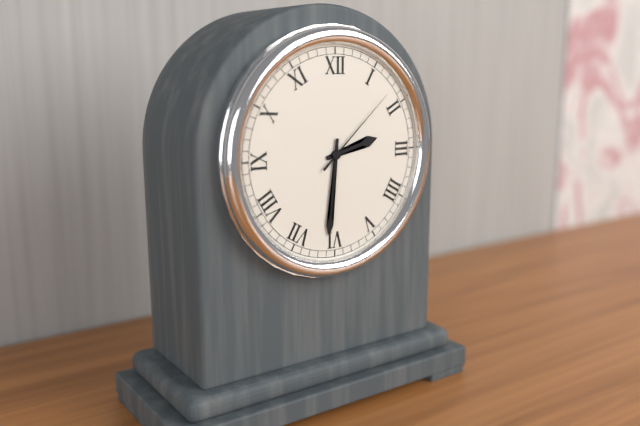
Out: 2h31m08s
